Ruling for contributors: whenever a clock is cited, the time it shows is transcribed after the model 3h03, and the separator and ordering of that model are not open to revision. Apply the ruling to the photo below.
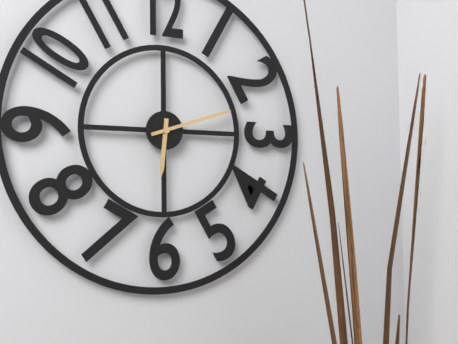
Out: 6h12
